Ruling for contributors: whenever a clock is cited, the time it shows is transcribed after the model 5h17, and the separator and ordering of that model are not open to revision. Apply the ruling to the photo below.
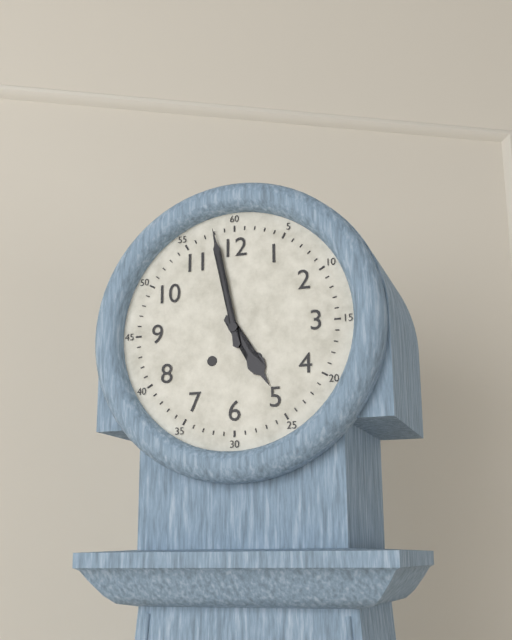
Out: 4h58
